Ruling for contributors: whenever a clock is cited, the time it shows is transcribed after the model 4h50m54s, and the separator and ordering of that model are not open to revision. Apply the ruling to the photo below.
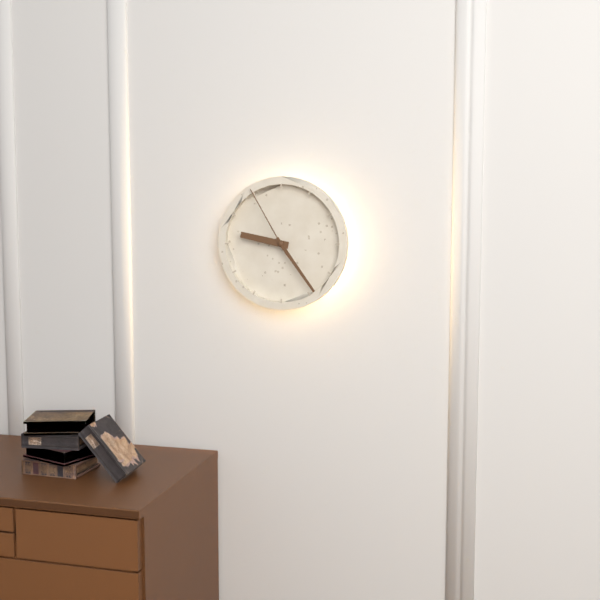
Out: 9h24m55s
